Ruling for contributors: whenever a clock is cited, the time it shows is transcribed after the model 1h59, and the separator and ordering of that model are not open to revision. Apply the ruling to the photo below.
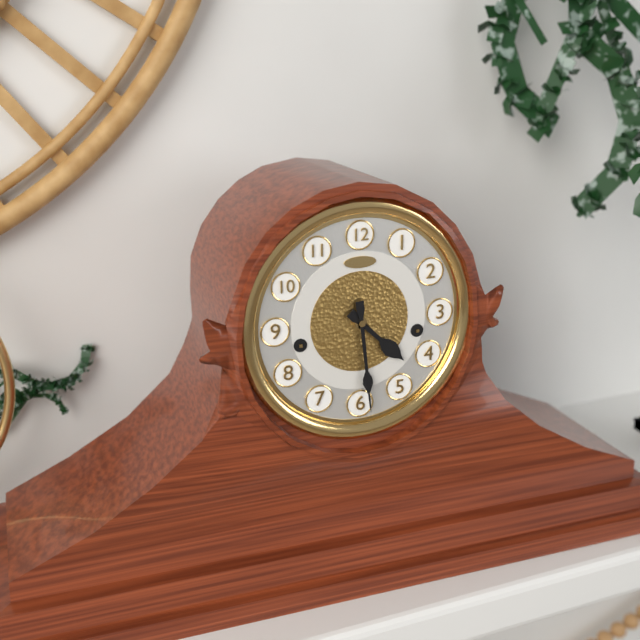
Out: 4h29
